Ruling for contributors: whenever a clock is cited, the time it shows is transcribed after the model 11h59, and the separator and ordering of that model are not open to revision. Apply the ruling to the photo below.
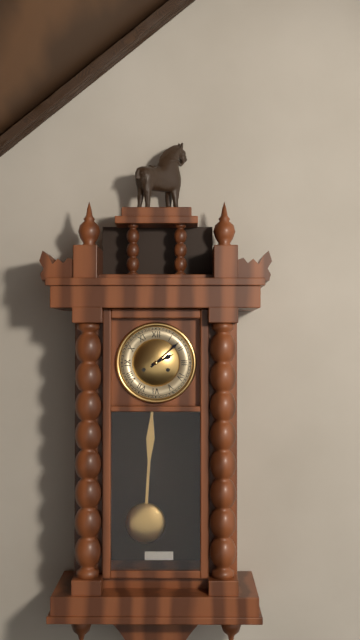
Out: 2h08
